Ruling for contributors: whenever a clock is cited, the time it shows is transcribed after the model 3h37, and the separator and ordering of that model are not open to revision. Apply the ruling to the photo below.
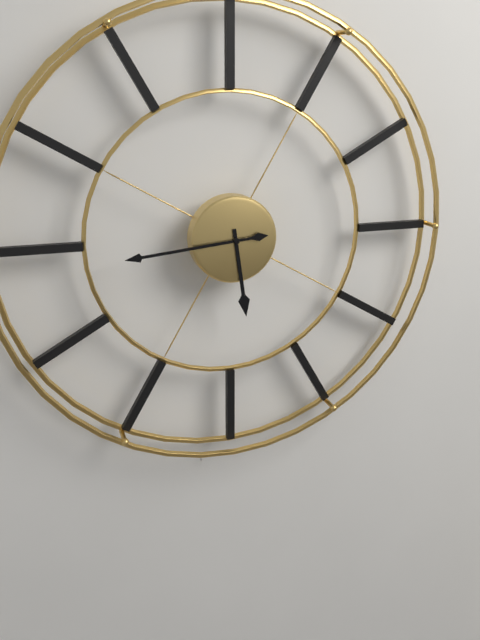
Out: 5h44
